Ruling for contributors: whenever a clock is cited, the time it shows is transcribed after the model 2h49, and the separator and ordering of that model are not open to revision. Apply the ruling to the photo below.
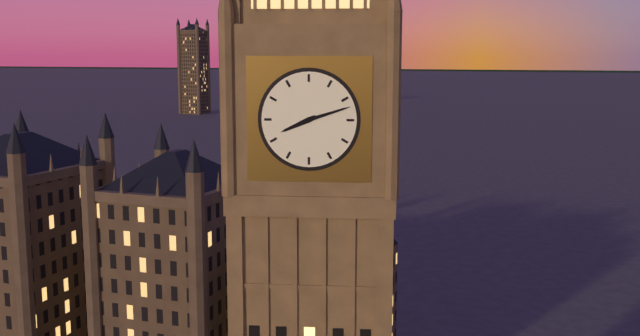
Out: 8h12
